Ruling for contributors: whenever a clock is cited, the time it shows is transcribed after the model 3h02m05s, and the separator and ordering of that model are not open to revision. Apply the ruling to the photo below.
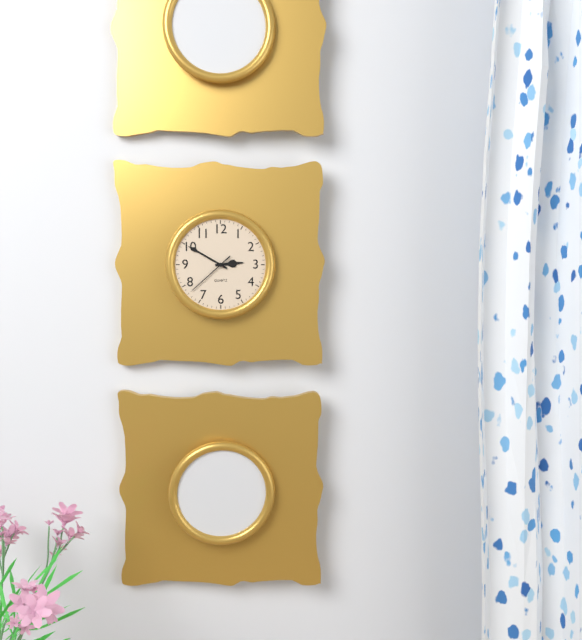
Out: 2h50m38s
